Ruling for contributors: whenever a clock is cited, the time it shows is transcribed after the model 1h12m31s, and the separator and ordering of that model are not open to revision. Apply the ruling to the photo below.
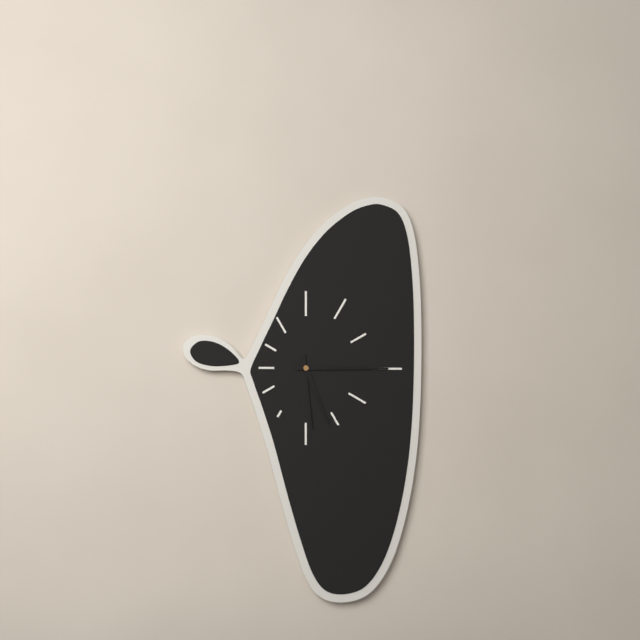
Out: 5h15m29s
